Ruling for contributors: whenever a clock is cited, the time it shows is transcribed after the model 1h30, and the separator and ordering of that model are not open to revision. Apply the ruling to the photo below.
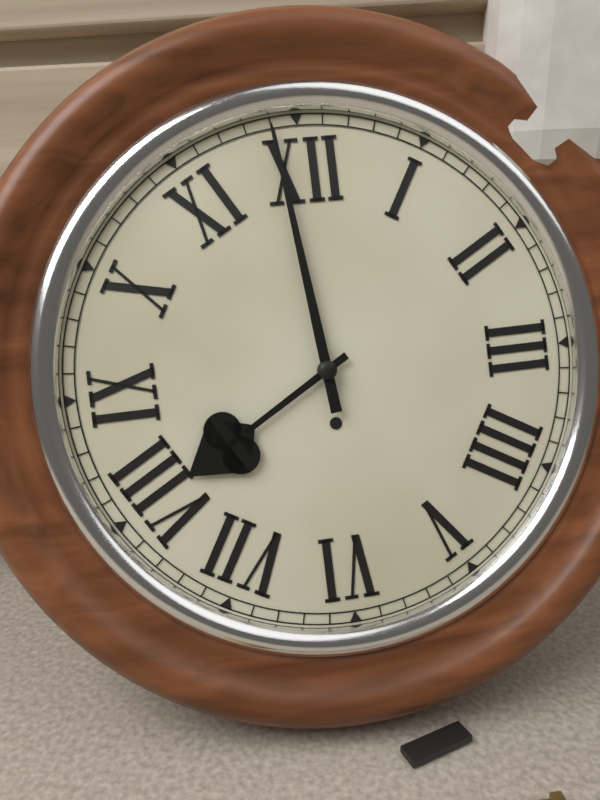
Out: 7h59
